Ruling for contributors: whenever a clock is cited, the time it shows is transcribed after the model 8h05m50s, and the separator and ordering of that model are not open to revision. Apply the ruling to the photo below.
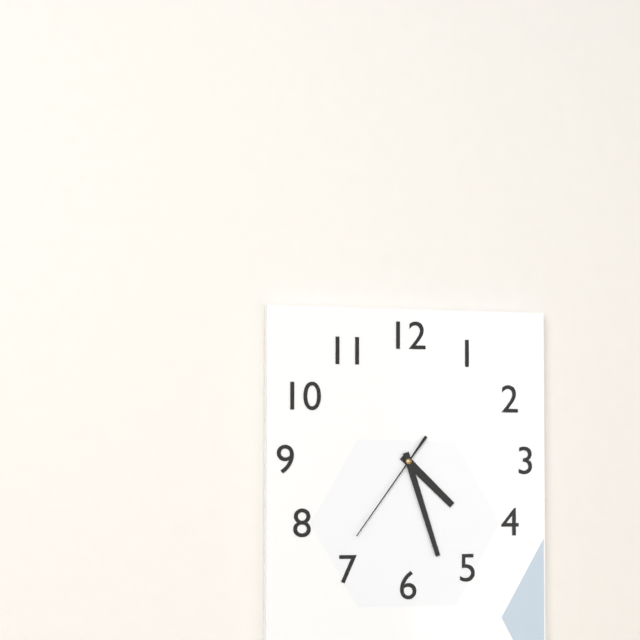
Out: 4h27m36s
